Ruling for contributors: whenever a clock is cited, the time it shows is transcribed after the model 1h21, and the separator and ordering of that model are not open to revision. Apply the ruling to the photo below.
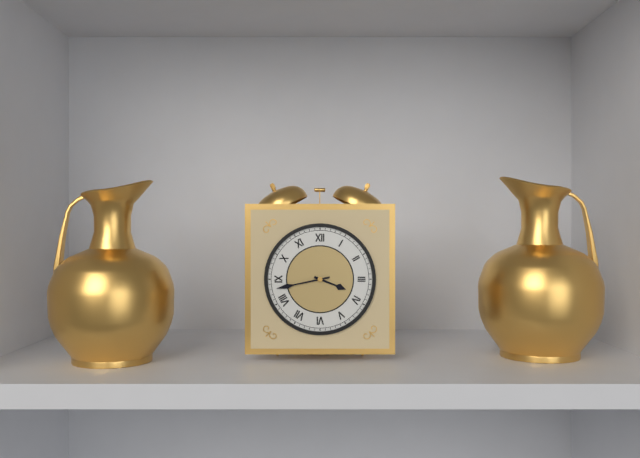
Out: 3h43
